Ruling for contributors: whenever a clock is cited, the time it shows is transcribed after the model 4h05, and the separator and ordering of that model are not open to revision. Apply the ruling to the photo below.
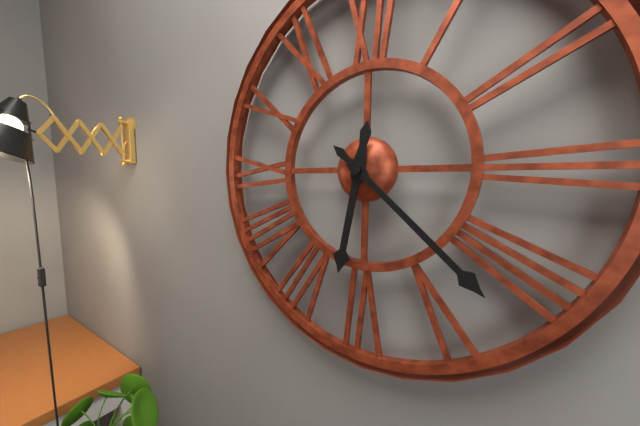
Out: 6h22
